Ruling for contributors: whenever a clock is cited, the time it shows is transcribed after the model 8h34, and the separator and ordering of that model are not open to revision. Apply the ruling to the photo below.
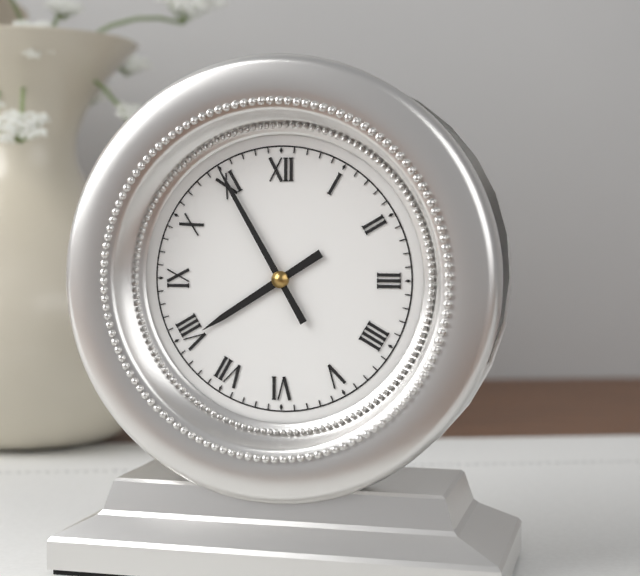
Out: 7h55
